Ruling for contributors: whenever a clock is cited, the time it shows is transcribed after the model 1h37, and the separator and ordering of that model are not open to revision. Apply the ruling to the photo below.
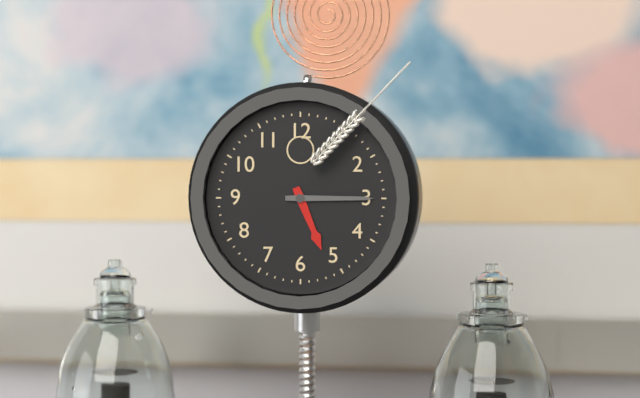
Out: 5h15
